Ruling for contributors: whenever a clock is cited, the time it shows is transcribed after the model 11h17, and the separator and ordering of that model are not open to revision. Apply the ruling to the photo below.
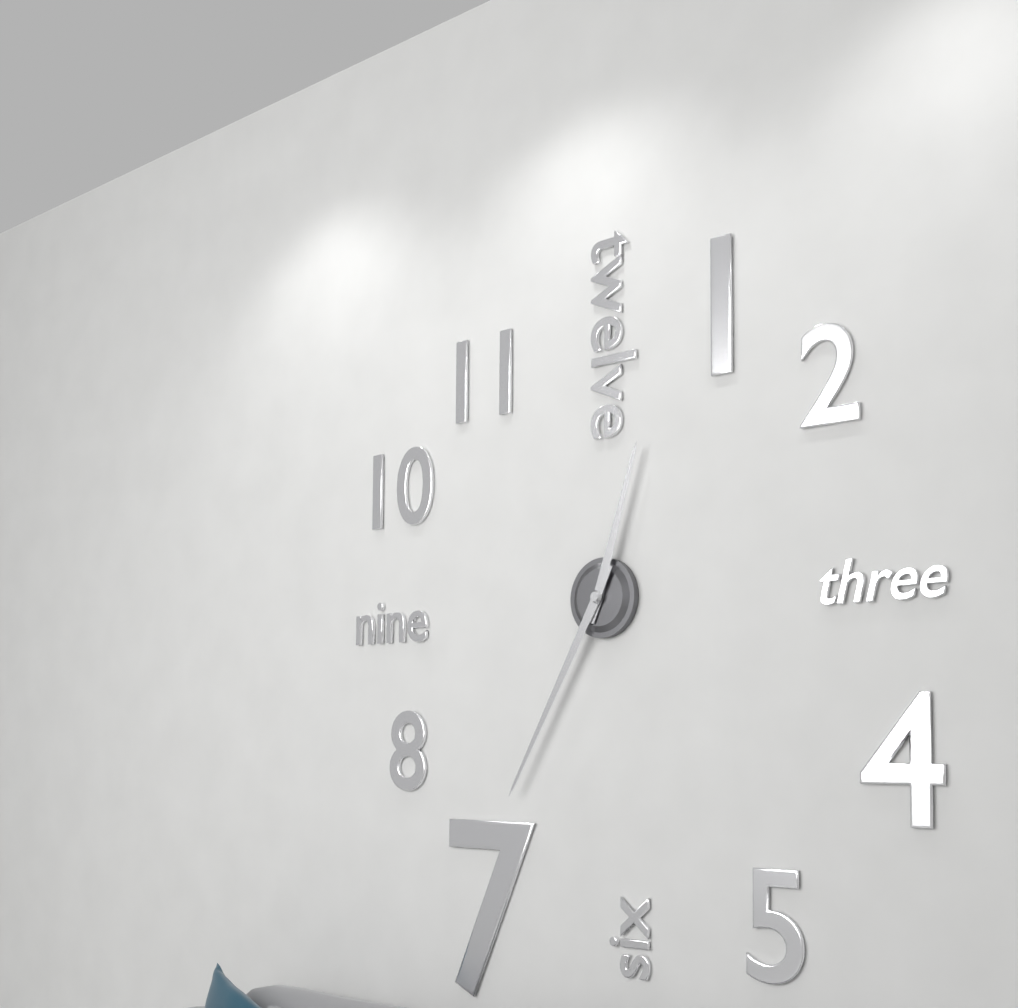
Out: 12h35
